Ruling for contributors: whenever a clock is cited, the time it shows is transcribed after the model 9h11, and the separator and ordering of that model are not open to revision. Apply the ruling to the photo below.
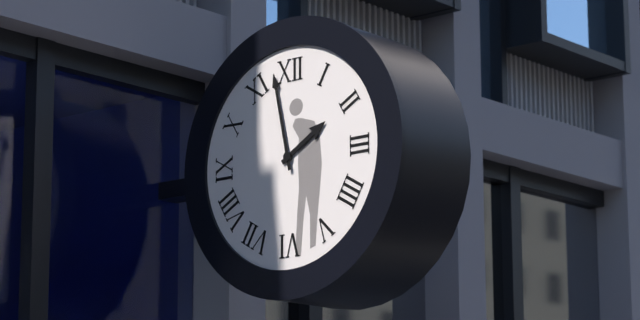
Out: 1h58
